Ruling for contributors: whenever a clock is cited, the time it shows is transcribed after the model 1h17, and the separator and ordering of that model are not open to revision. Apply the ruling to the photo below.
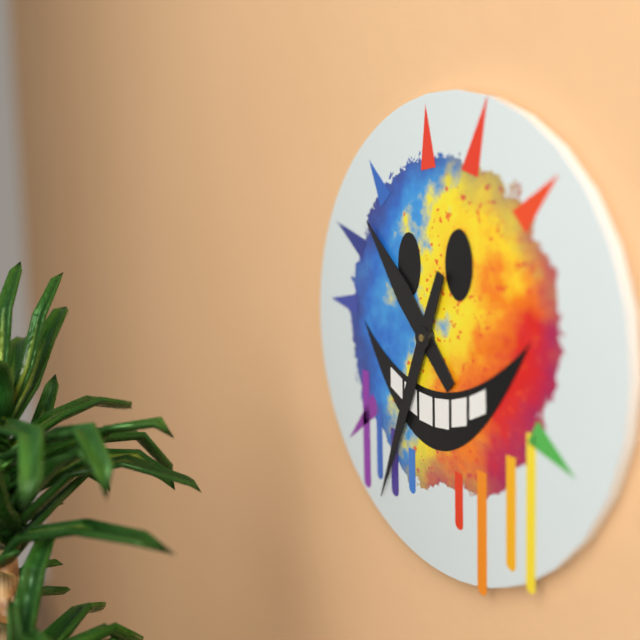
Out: 10h34
